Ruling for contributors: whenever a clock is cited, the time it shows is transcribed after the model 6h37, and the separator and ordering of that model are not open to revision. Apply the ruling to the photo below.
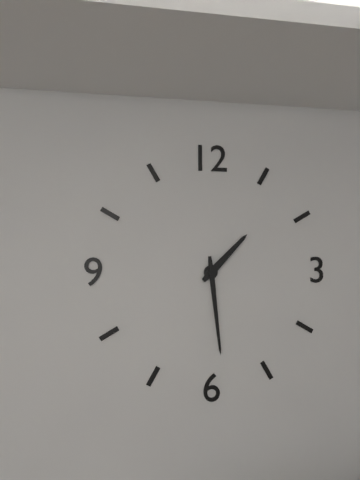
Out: 1h29
